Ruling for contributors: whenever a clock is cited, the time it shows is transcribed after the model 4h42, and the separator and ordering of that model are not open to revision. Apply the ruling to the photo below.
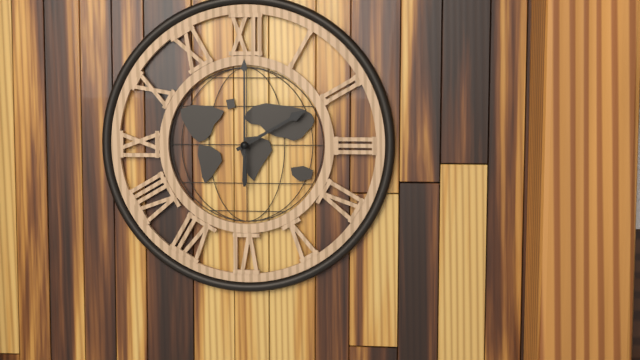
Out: 2h00
